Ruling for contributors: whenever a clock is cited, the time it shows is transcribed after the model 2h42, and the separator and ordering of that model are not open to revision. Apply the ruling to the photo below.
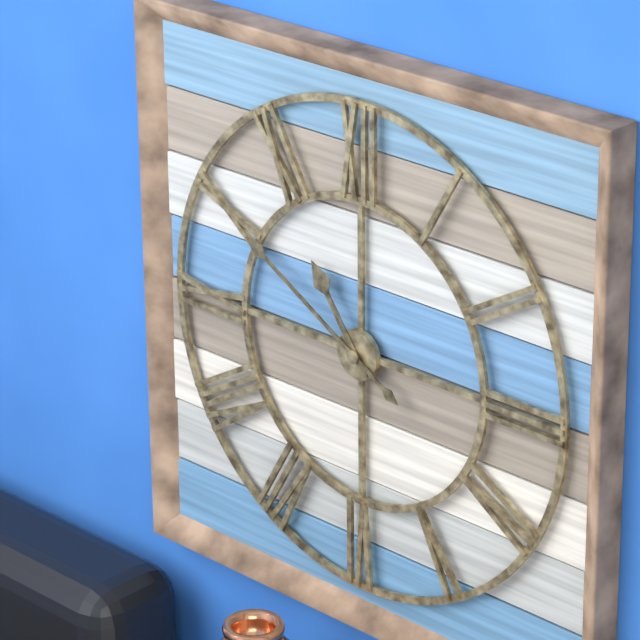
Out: 10h50
